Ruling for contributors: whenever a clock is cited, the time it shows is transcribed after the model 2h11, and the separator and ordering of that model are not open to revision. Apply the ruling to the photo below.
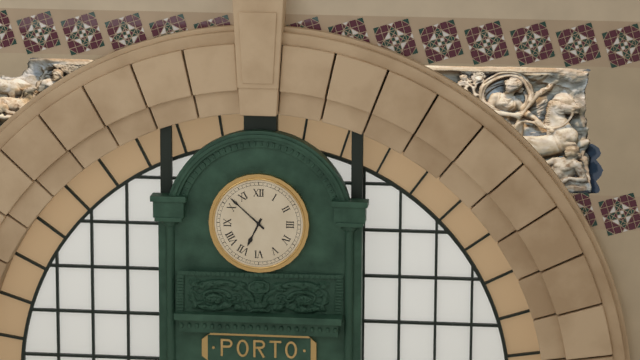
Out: 6h52
